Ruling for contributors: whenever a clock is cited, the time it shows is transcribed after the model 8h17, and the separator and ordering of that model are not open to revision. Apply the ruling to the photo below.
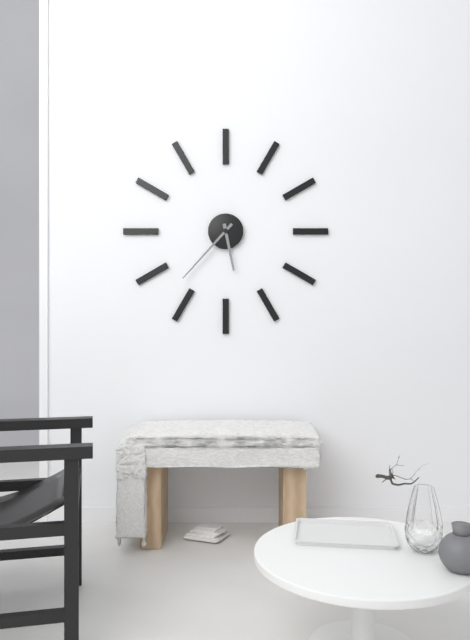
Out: 5h37
